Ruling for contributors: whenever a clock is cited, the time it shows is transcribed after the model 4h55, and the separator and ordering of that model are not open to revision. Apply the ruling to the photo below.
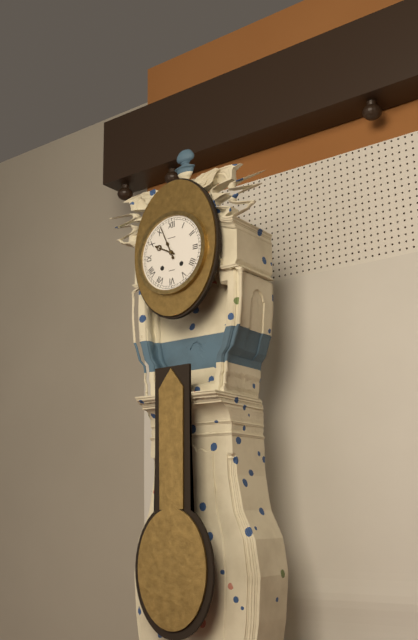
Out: 9h56
